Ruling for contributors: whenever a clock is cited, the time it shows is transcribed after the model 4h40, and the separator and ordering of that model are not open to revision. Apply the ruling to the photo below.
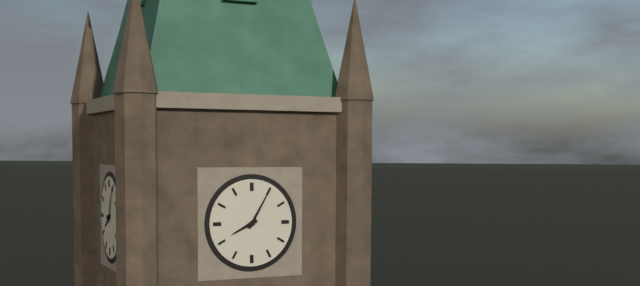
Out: 8h05
